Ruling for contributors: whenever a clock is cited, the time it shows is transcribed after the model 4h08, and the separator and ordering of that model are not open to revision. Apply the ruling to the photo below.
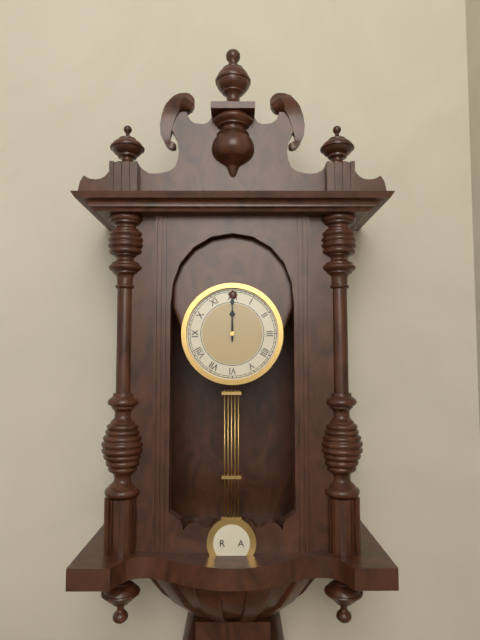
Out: 12h00
